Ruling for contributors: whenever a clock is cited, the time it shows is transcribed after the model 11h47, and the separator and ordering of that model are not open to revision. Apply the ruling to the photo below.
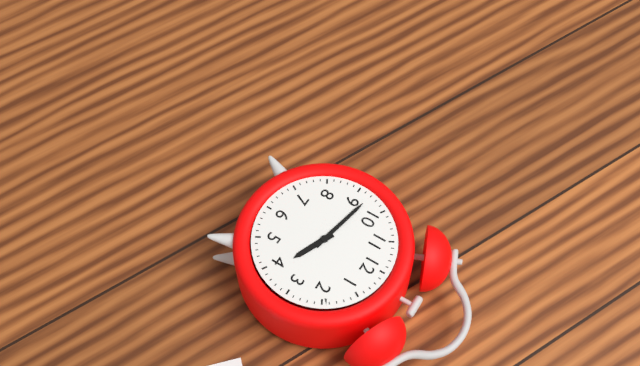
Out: 3h47
